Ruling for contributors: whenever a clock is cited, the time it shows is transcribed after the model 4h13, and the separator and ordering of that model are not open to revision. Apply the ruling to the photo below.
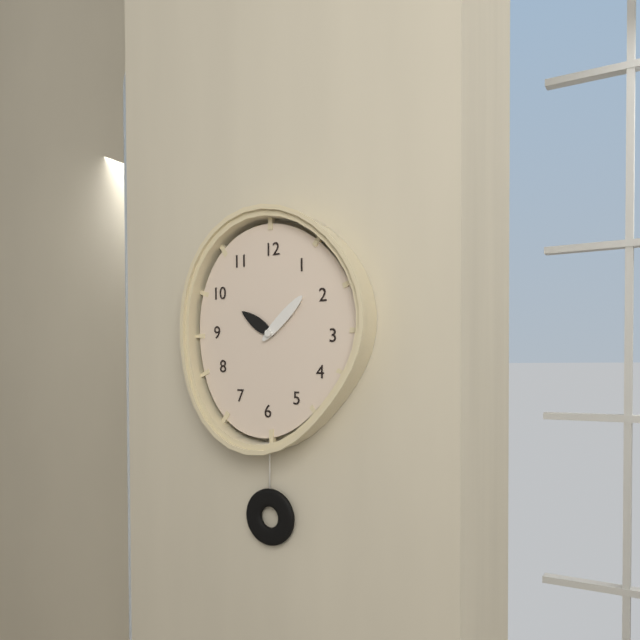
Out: 10h08
